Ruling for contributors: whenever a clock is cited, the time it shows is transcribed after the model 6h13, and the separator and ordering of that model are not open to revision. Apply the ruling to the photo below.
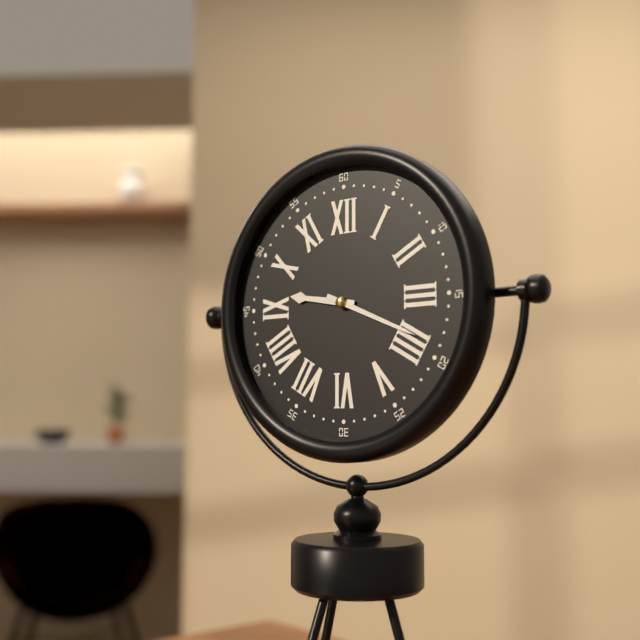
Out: 9h19
